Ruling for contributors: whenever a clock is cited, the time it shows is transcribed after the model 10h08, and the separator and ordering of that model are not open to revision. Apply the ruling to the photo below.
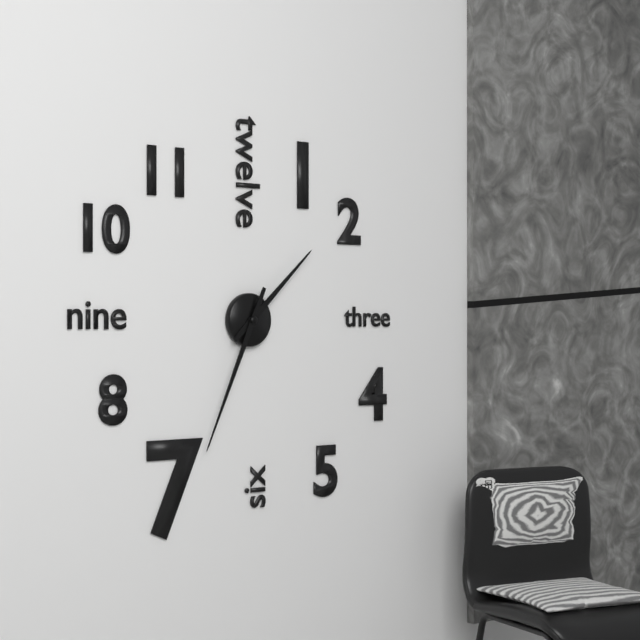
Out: 1h34
